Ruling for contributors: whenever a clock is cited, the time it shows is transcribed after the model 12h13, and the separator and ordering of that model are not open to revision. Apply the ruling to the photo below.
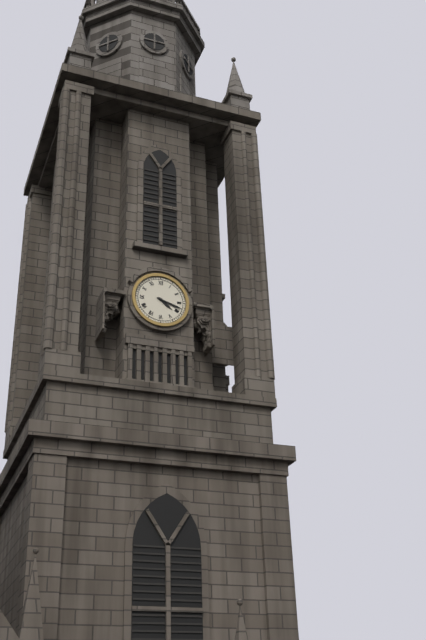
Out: 4h18
